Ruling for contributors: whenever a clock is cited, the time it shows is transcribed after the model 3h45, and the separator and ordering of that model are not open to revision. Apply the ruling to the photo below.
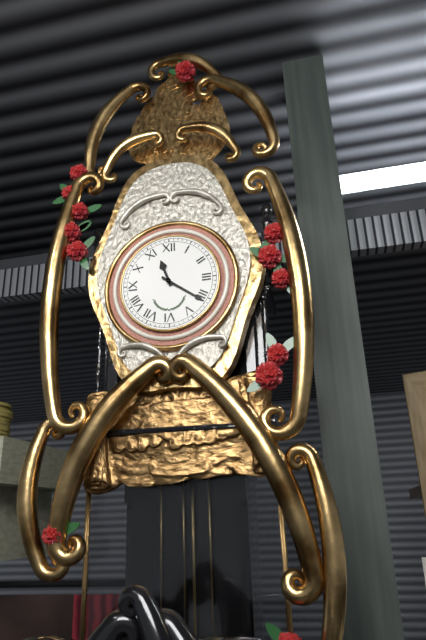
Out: 11h21
